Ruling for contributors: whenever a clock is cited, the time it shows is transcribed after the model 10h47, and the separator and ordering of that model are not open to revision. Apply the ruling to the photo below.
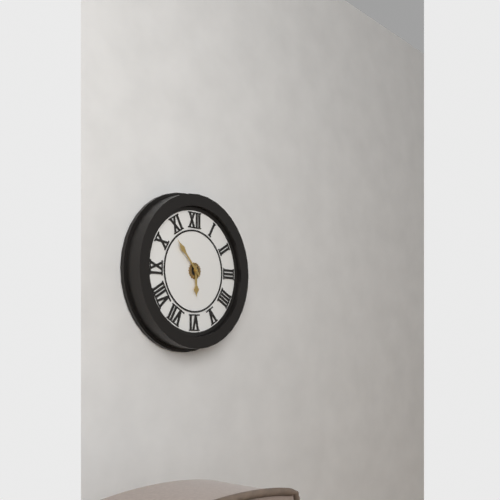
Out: 5h53
